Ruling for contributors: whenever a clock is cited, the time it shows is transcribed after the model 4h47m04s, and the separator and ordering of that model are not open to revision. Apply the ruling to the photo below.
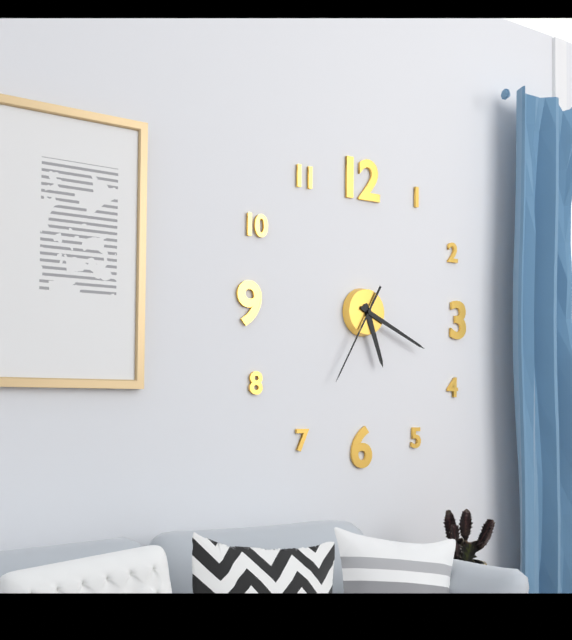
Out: 5h19m35s
